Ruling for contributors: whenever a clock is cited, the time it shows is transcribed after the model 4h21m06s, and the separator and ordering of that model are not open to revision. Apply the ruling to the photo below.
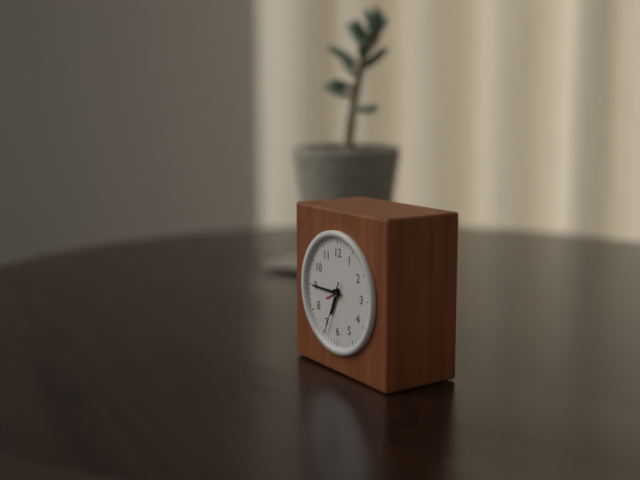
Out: 6h45m34s
